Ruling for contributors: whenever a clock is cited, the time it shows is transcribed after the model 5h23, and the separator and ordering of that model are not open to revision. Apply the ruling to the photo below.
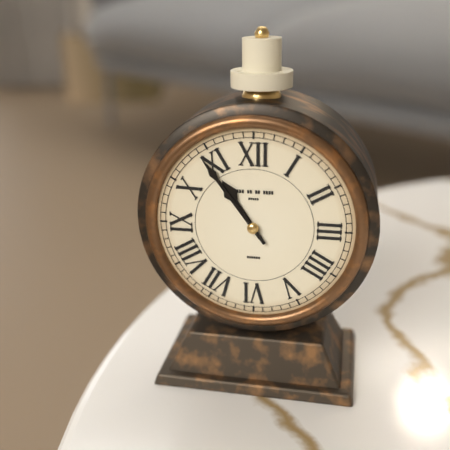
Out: 10h54
